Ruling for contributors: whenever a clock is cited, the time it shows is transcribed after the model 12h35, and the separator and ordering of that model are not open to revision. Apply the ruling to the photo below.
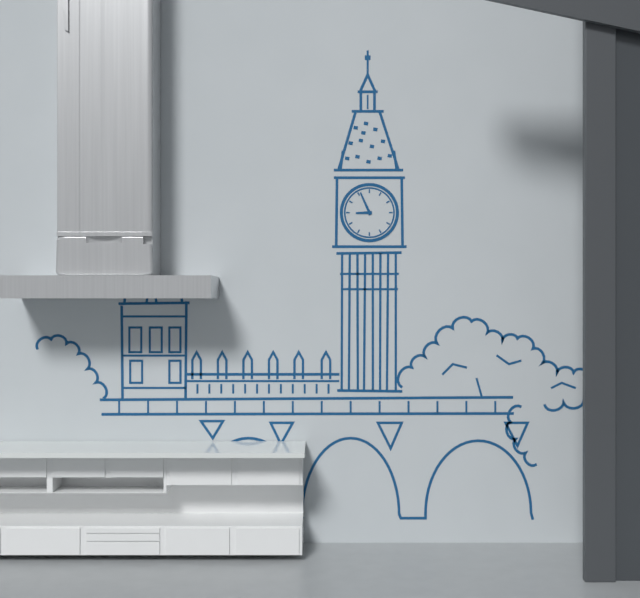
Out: 8h56
